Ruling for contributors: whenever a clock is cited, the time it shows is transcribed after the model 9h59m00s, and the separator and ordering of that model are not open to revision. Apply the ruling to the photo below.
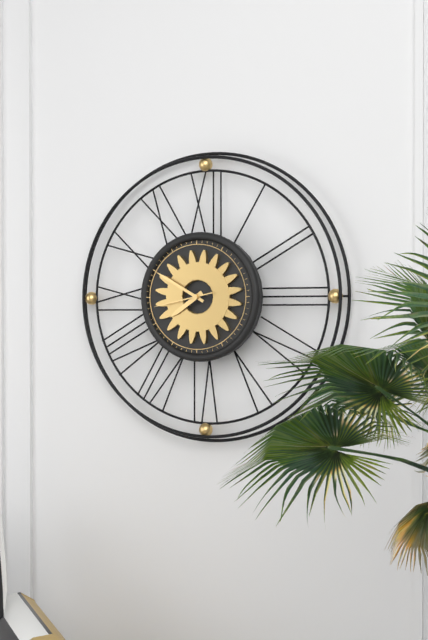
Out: 7h50m43s
